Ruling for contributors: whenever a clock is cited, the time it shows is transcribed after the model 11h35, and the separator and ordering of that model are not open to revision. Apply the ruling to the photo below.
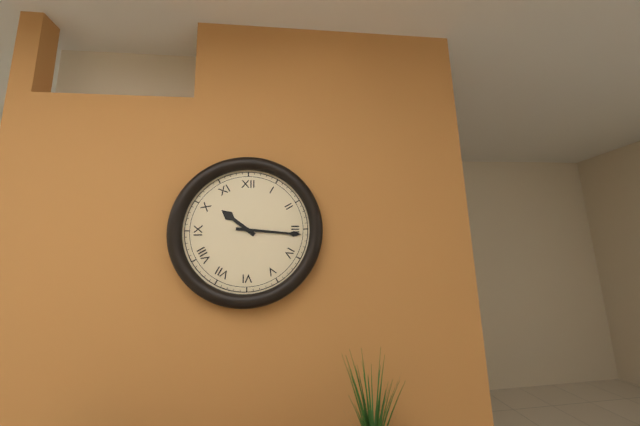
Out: 10h16
